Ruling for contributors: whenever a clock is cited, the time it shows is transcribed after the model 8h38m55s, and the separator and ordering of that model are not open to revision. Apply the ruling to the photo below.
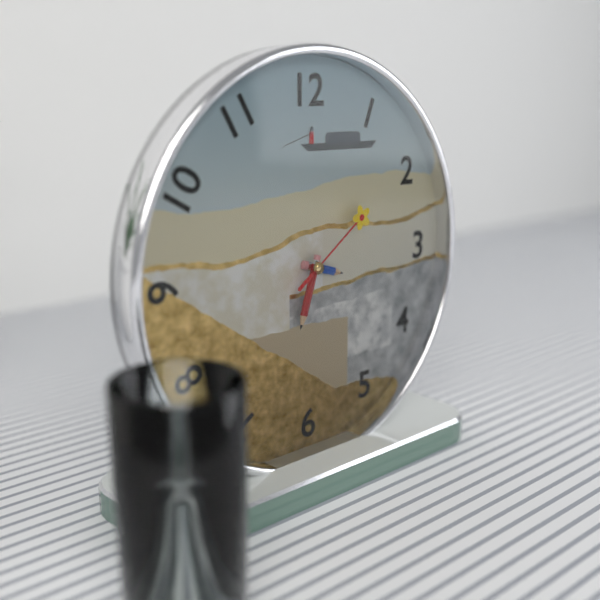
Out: 3h33m09s
